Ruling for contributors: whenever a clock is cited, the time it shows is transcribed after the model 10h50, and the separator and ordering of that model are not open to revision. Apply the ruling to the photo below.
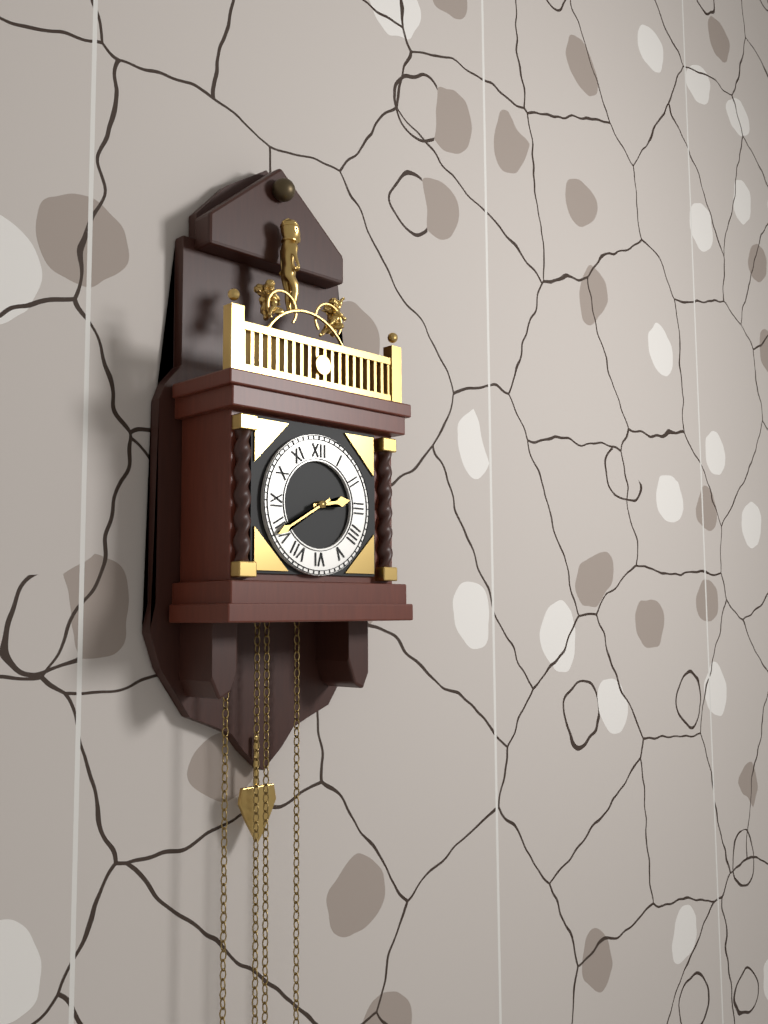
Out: 2h40
